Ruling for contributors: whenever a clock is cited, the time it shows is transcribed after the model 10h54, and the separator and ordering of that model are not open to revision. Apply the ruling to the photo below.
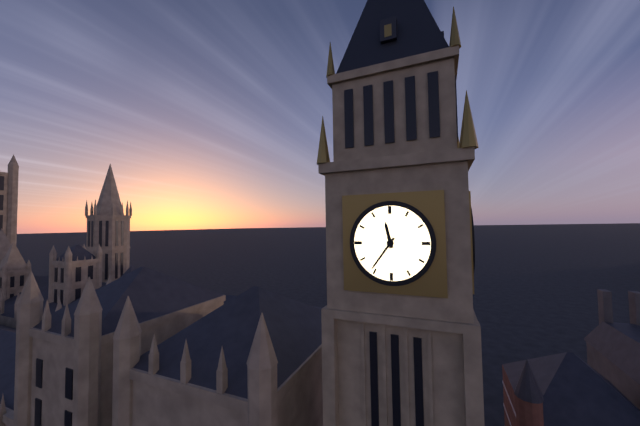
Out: 11h36
